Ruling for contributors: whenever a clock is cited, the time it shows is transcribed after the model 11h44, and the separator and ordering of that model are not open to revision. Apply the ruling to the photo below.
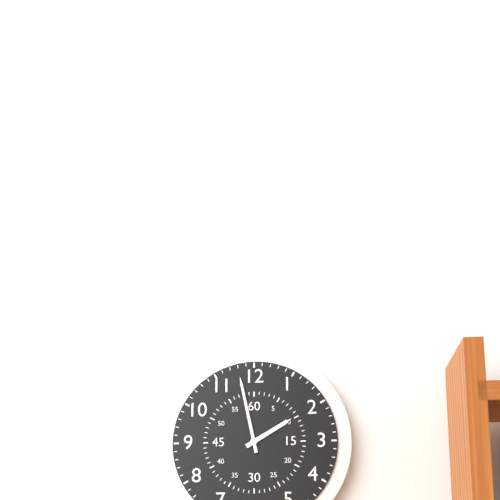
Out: 1h58
